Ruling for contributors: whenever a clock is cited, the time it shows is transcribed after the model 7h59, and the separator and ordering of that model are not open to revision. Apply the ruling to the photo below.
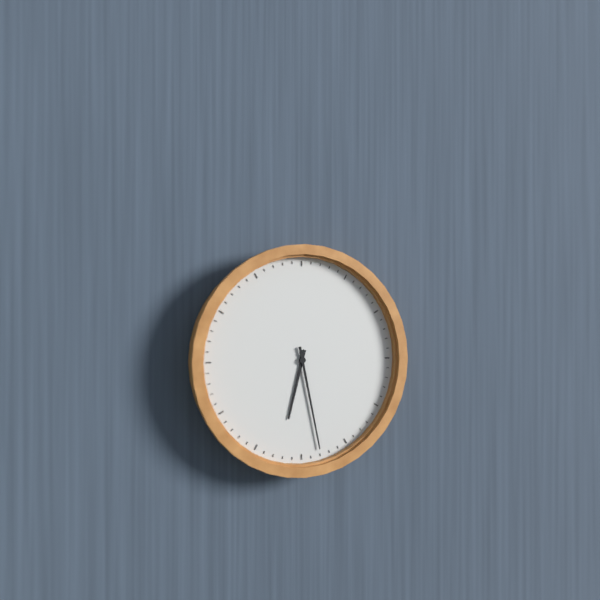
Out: 6h28
